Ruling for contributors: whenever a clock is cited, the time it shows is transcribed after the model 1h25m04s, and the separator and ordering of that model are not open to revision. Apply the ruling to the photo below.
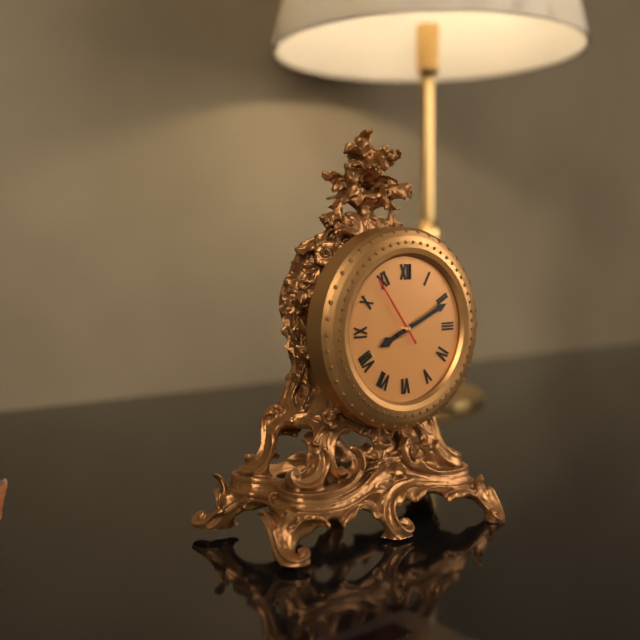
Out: 8h11m54s
